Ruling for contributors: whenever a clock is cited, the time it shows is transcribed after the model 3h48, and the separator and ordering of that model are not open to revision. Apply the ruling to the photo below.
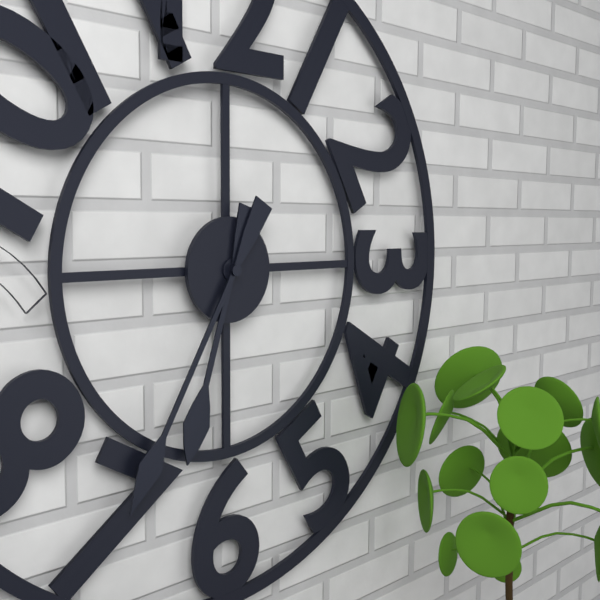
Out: 6h35
